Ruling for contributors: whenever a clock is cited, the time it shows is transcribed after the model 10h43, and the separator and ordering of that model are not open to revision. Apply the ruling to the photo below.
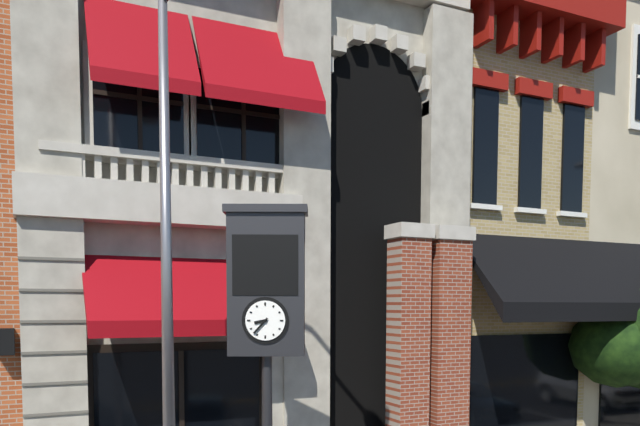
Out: 8h37
